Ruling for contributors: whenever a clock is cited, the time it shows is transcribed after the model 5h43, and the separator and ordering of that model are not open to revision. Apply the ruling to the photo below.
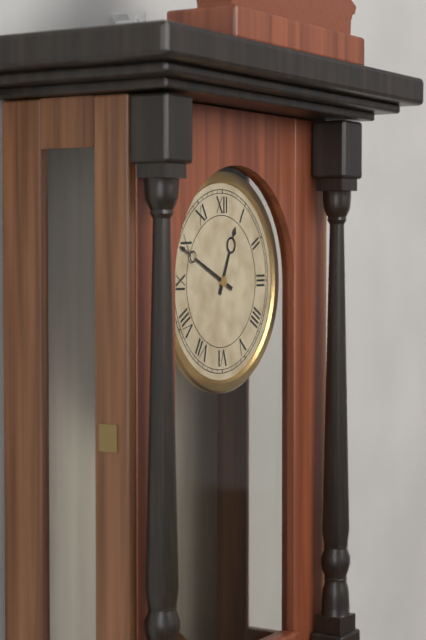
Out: 12h49
